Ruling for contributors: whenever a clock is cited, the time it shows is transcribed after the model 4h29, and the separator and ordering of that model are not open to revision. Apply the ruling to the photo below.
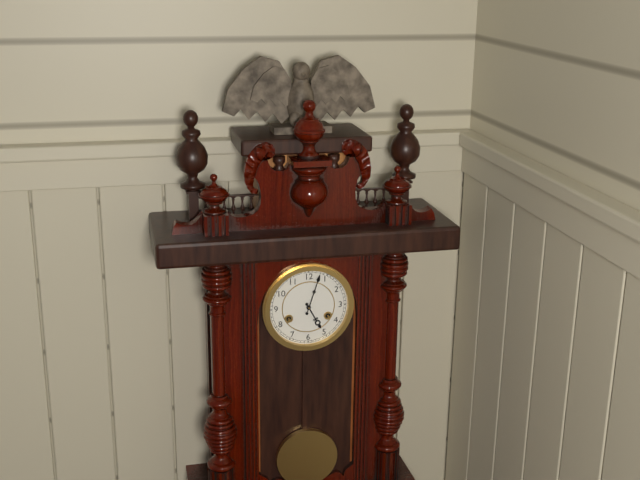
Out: 5h03
